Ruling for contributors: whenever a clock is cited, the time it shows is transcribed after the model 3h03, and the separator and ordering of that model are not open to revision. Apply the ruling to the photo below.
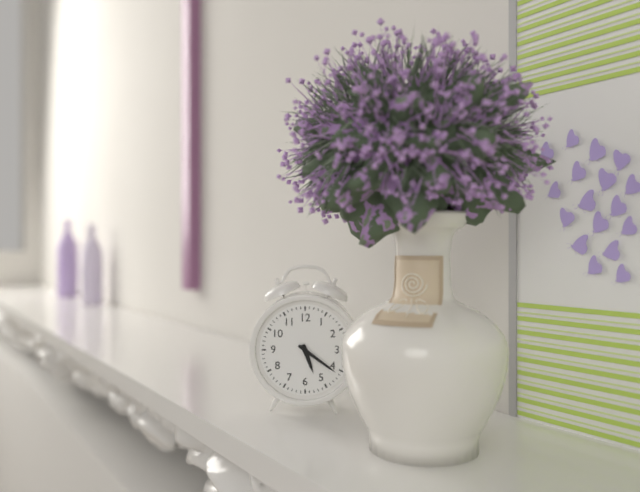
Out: 5h21
